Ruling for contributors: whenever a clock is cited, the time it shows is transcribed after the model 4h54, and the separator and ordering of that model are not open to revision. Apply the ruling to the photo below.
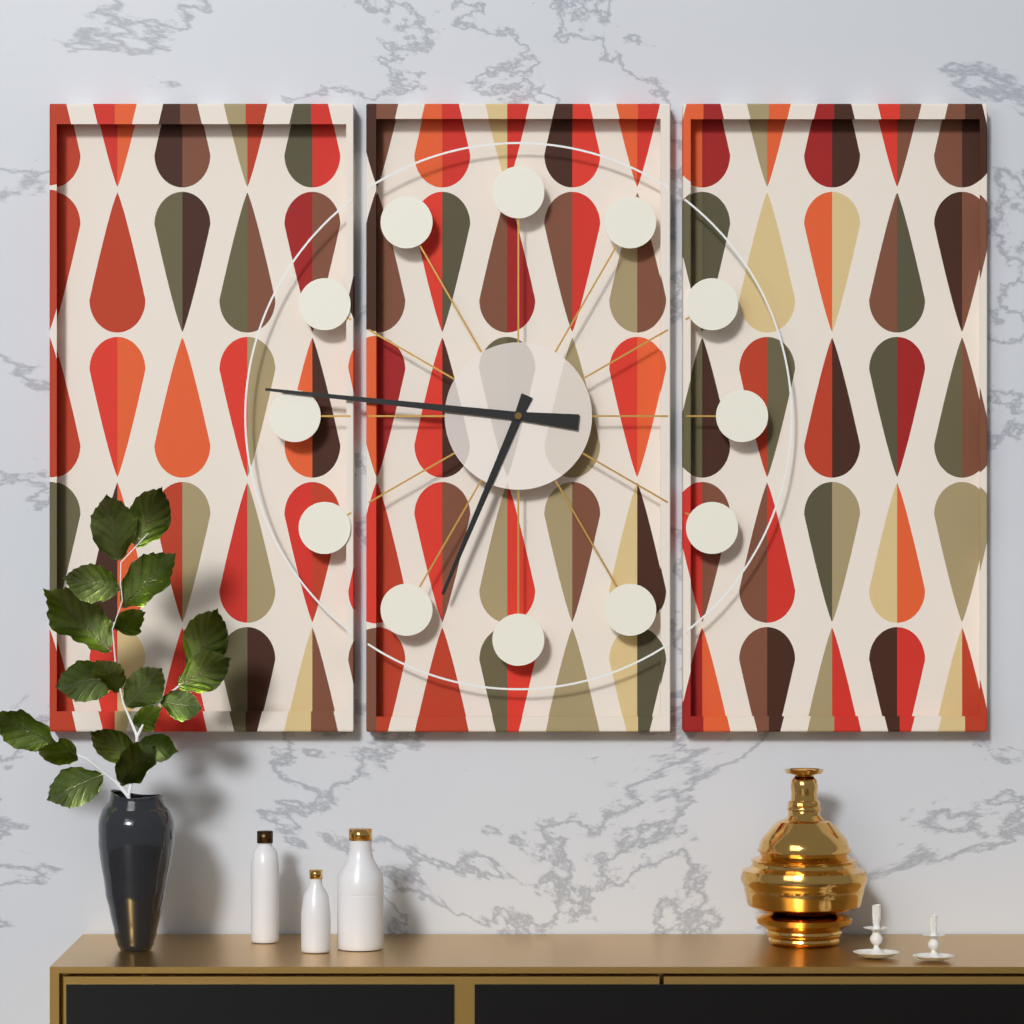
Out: 6h46
